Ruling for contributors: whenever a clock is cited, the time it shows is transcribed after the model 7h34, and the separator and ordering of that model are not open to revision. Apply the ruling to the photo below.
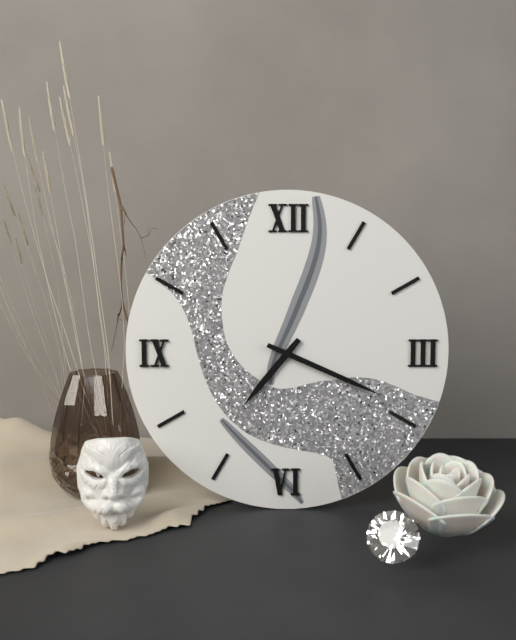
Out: 7h19
